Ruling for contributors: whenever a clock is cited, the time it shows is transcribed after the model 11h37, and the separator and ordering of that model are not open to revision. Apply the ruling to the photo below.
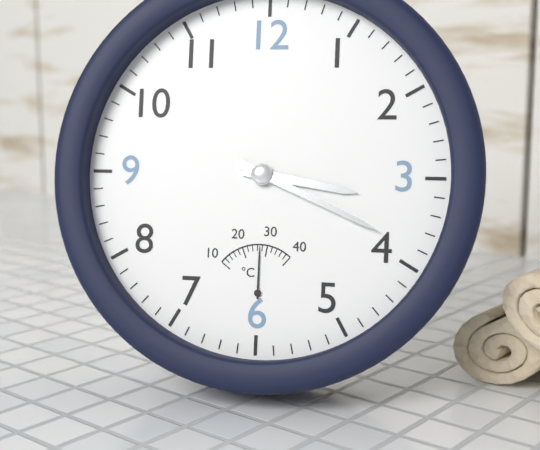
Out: 3h19
